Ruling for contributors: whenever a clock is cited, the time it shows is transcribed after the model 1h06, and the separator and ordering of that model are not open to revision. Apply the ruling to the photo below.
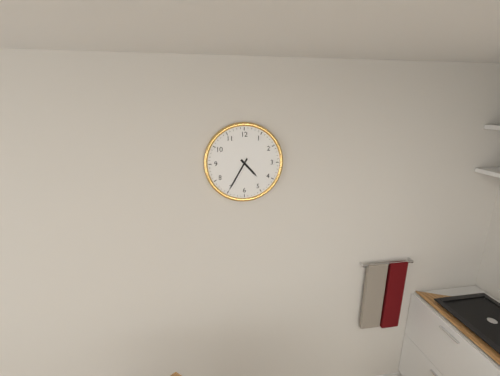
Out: 4h35
